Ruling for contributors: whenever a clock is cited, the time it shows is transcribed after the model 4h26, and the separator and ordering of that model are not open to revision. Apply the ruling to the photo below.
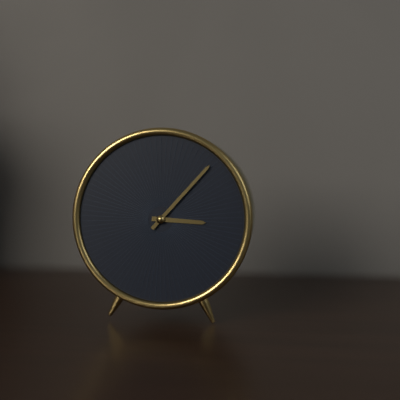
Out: 3h07
